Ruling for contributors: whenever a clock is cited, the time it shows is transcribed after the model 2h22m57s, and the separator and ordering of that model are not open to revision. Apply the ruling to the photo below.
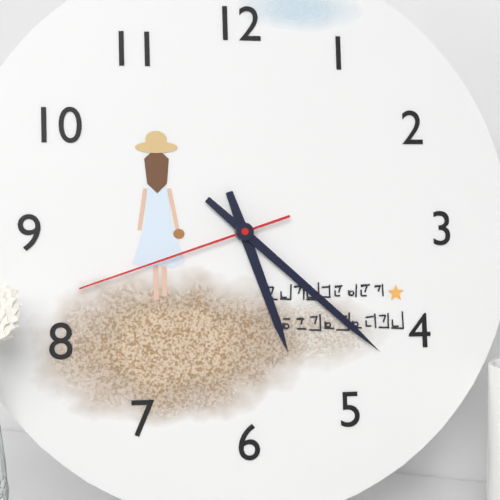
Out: 5h22m42s
